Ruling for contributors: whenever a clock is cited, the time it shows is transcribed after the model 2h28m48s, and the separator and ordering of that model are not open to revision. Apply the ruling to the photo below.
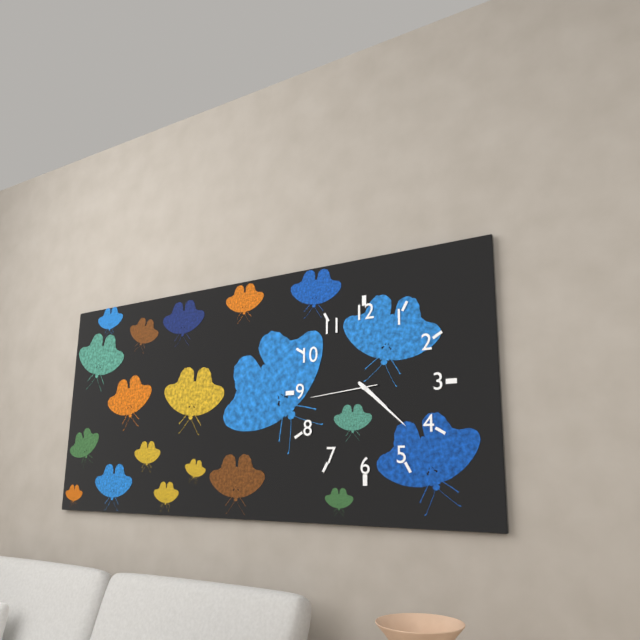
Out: 4h22m44s
